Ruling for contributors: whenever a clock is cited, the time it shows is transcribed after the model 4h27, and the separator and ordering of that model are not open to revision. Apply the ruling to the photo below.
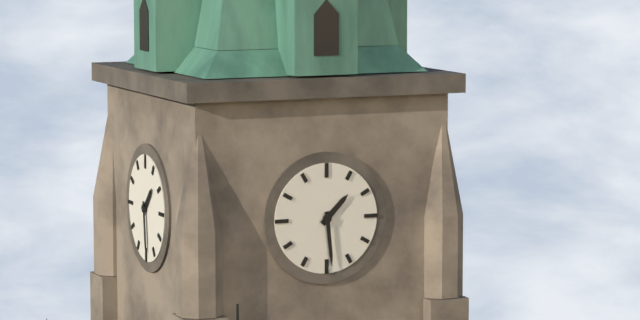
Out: 1h29
